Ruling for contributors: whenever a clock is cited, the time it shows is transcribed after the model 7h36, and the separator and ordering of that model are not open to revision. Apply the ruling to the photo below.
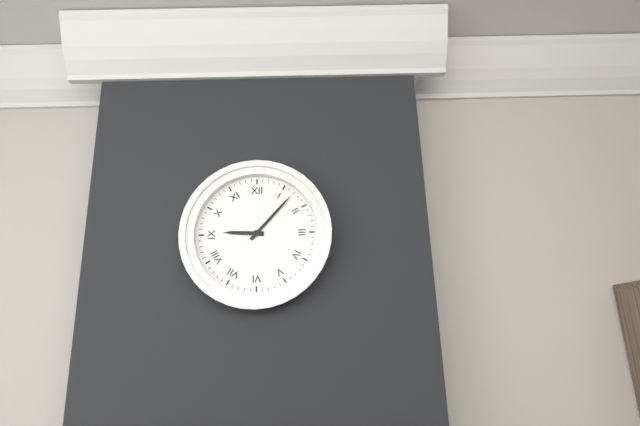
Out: 9h07
